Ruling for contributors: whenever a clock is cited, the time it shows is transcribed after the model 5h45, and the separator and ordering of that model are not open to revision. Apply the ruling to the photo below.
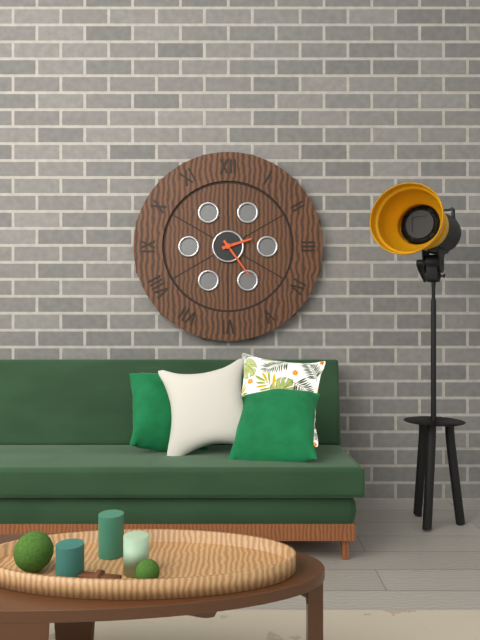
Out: 2h24
